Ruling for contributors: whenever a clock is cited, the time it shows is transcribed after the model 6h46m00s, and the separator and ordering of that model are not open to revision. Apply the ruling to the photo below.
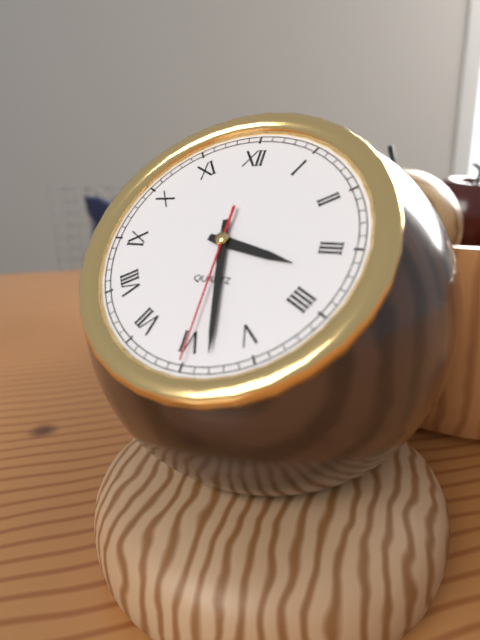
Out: 3h28m30s
